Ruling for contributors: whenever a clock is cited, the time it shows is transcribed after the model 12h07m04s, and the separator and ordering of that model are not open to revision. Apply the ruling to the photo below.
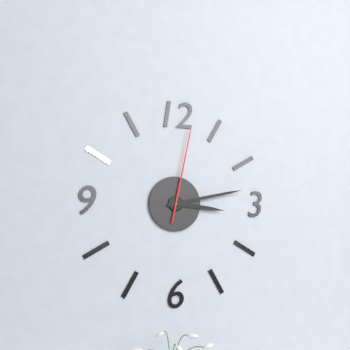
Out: 3h13m02s
